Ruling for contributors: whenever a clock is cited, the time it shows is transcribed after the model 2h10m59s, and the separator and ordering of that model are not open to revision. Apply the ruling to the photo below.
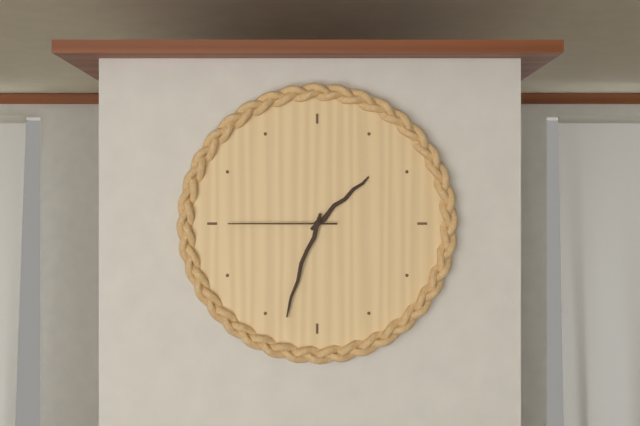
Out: 1h33m45s
